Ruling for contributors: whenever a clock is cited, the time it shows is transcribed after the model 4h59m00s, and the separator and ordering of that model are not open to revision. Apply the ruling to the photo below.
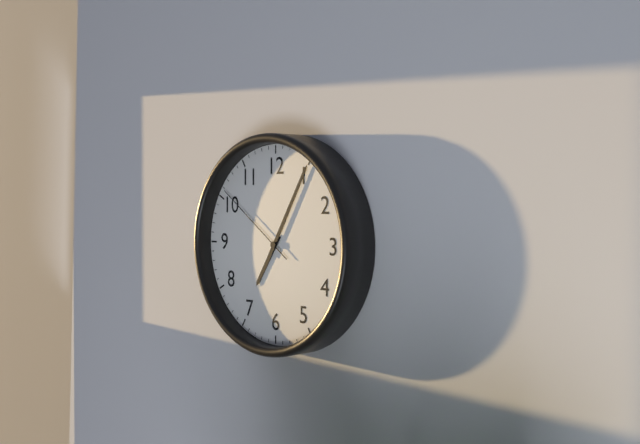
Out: 7h05m51s
